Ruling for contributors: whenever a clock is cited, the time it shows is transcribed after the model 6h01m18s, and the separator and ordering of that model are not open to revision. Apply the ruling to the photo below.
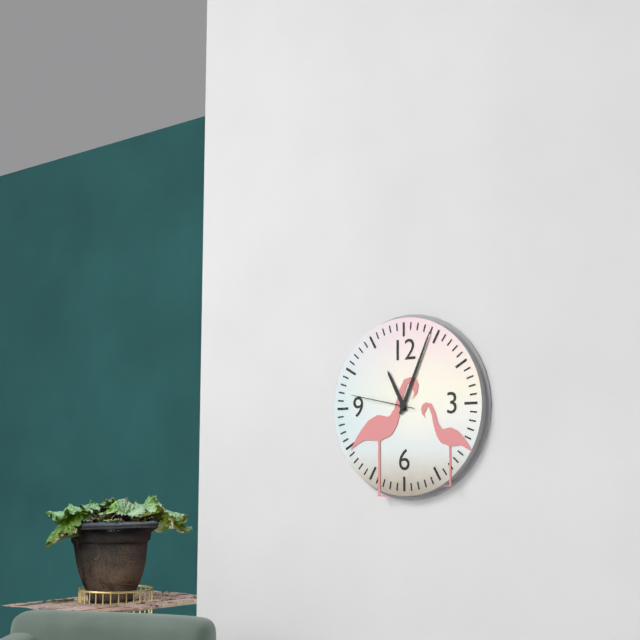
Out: 11h04m47s
